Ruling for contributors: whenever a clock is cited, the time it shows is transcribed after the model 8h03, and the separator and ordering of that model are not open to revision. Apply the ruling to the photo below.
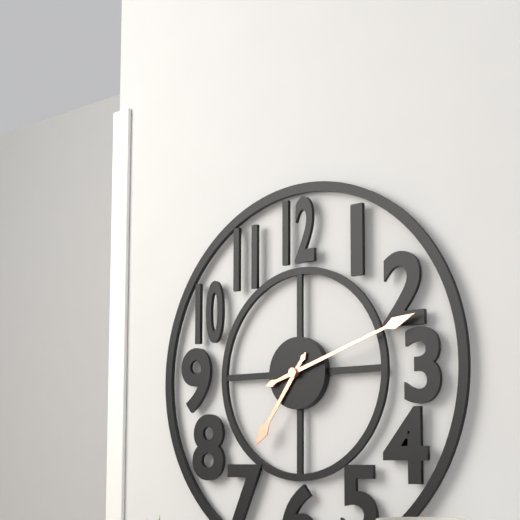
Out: 7h12
